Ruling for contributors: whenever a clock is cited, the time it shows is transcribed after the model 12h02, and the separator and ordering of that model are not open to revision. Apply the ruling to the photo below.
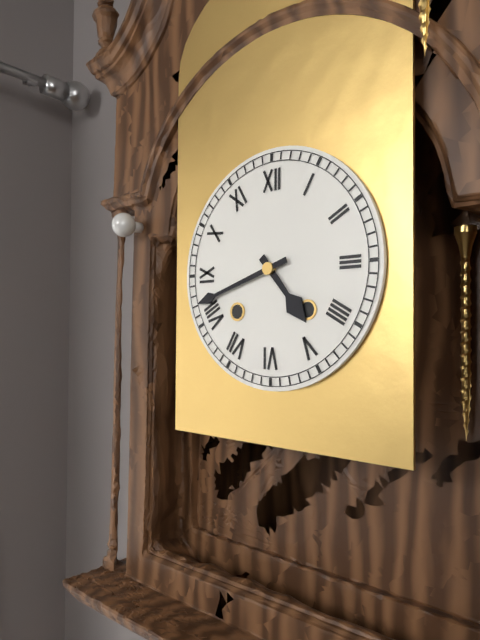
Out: 4h42
